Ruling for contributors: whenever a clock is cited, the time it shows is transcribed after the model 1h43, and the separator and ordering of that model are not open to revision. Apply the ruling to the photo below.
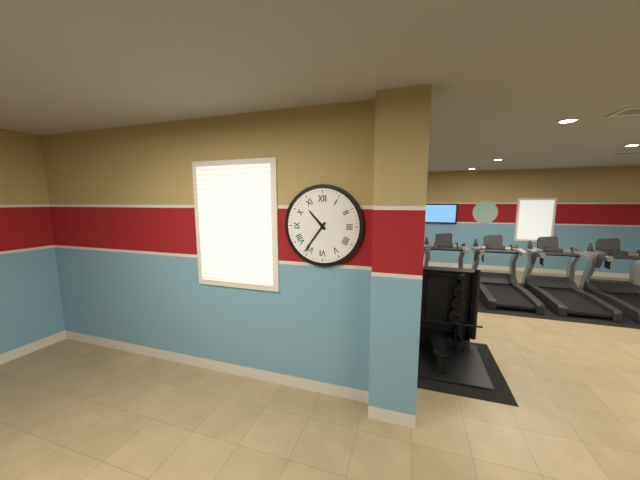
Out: 10h36
